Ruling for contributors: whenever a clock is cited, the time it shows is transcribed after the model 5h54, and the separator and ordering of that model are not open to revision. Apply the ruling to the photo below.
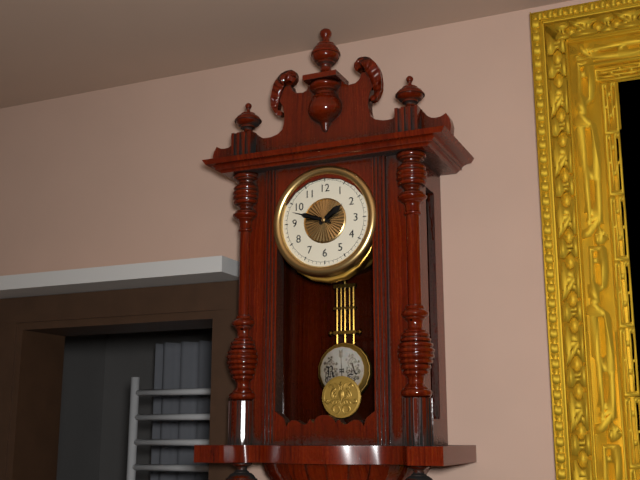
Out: 1h48
